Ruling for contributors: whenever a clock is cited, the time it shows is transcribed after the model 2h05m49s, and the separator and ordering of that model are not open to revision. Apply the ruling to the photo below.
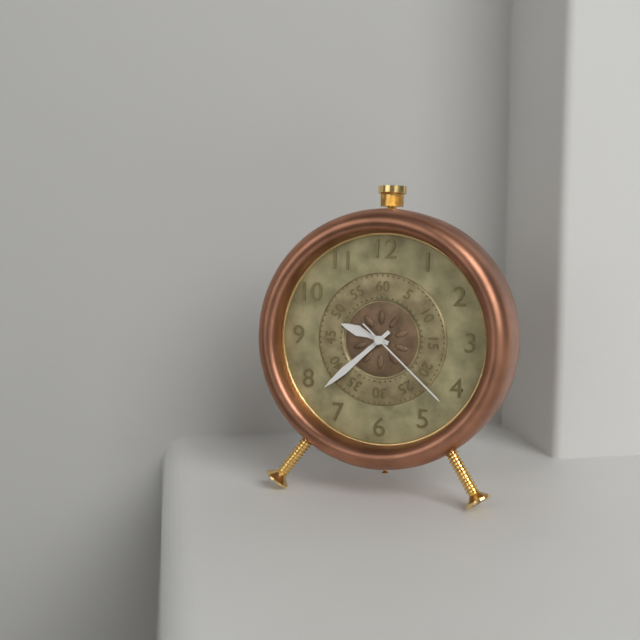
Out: 9h38m22s
